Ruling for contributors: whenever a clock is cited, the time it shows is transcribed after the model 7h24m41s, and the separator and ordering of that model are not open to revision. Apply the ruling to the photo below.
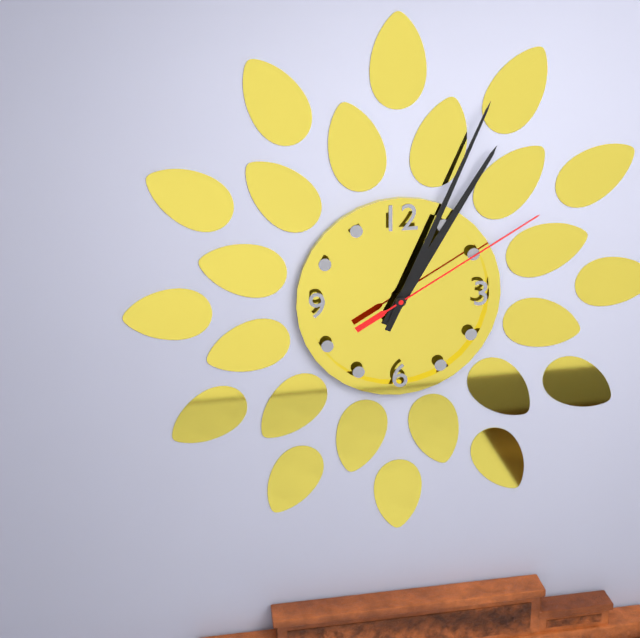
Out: 1h04m10s
